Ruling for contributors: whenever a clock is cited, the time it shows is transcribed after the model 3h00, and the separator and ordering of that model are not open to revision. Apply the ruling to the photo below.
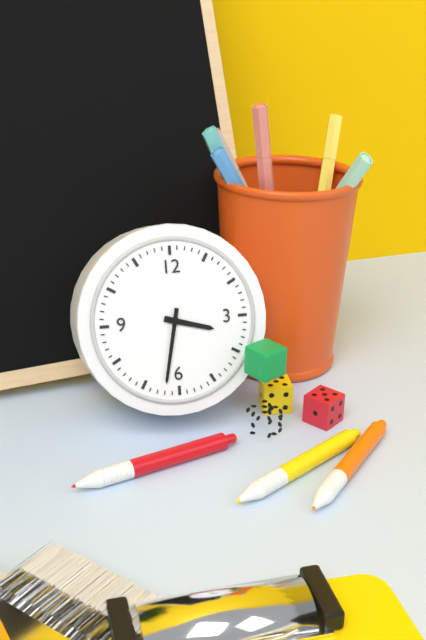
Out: 3h32
